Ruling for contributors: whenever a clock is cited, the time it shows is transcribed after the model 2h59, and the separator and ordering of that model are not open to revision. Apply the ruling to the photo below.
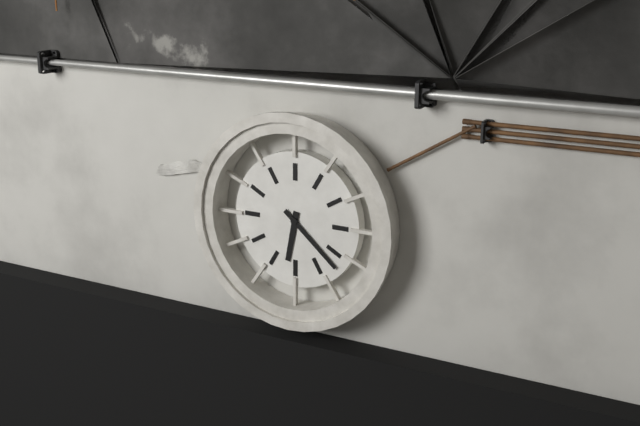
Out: 6h22
